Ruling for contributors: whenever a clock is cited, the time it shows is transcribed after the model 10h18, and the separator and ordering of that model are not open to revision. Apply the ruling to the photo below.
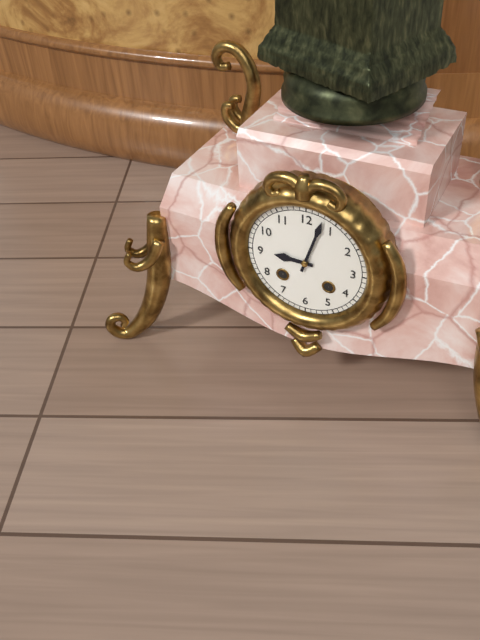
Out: 9h03
